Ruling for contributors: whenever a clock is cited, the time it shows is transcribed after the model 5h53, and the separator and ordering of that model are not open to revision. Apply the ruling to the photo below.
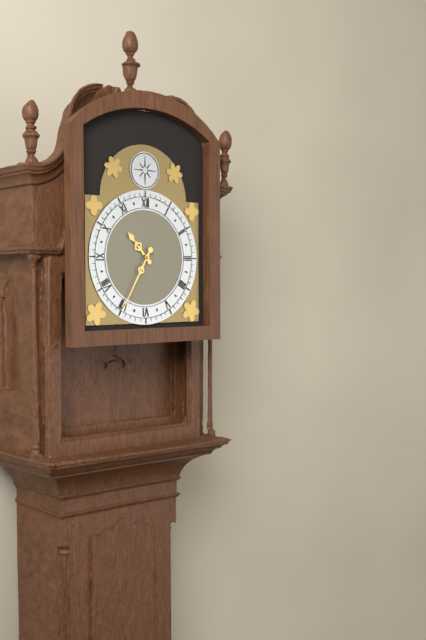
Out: 10h35
